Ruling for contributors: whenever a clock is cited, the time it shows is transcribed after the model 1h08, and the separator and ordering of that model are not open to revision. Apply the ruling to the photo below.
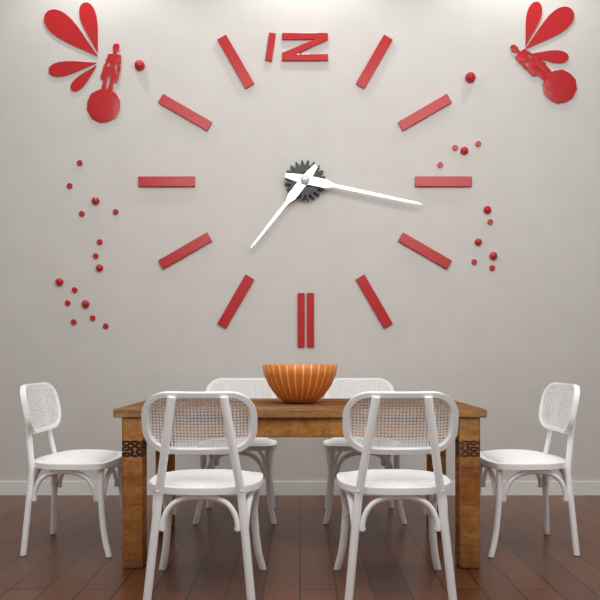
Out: 7h17
